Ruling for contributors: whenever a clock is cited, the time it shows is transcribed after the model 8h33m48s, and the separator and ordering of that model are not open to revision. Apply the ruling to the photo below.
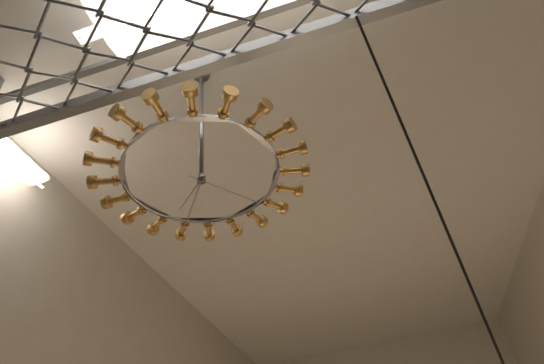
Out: 7h36m24s
